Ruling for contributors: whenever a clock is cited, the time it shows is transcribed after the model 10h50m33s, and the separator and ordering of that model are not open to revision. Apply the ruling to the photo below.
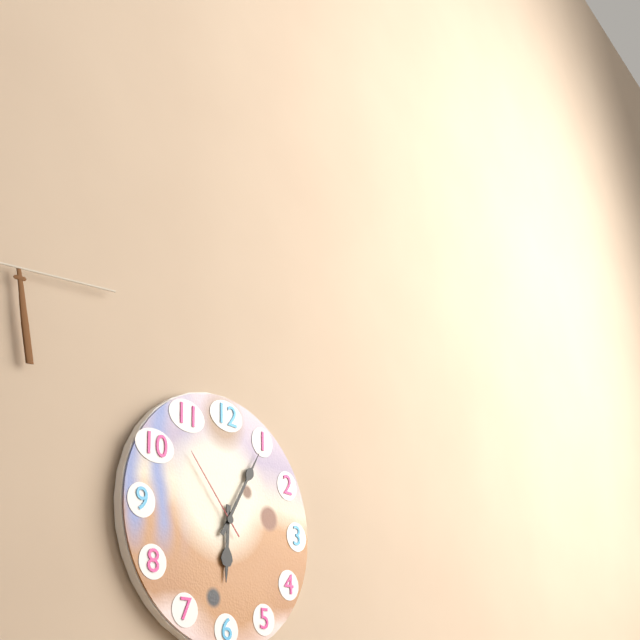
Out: 6h05m53s
